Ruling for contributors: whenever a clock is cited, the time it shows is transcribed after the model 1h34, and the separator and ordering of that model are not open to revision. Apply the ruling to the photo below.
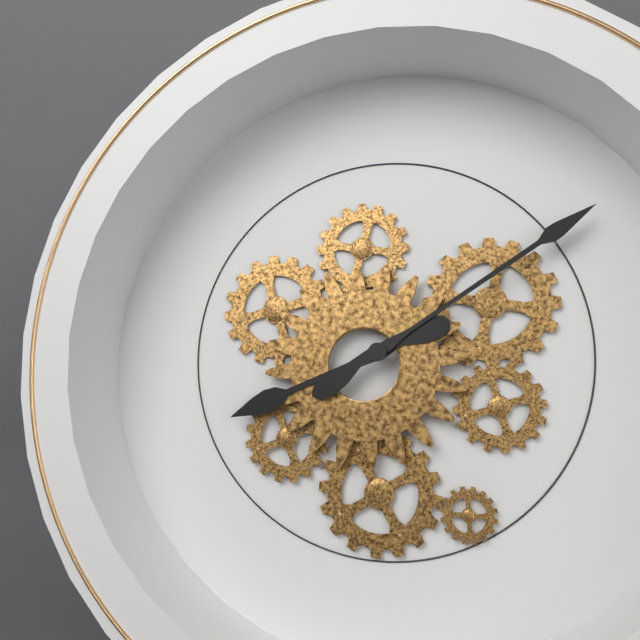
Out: 8h09
